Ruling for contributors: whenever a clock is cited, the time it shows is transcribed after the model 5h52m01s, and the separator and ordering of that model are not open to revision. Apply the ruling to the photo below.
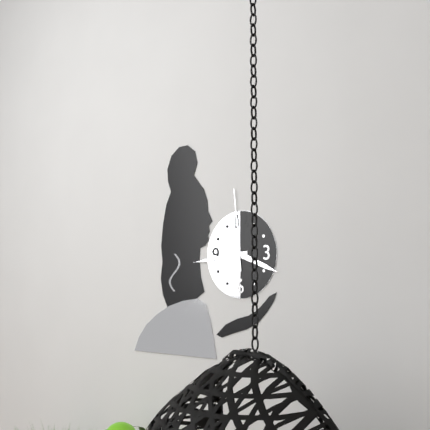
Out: 3h44m59s
